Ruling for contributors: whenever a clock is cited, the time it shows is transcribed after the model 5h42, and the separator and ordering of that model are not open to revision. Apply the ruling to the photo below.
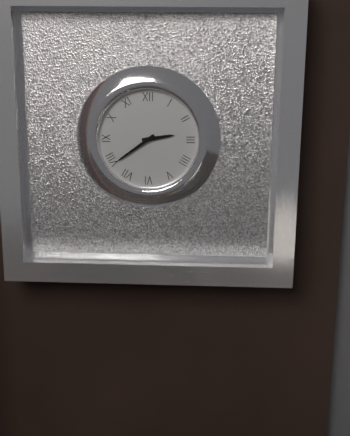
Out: 2h39
